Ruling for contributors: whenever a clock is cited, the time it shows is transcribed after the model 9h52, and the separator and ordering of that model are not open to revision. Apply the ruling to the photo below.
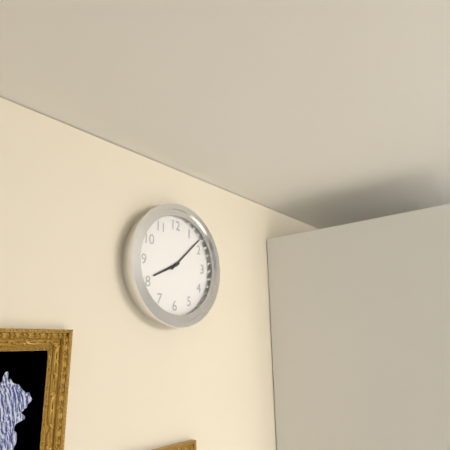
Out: 8h08
